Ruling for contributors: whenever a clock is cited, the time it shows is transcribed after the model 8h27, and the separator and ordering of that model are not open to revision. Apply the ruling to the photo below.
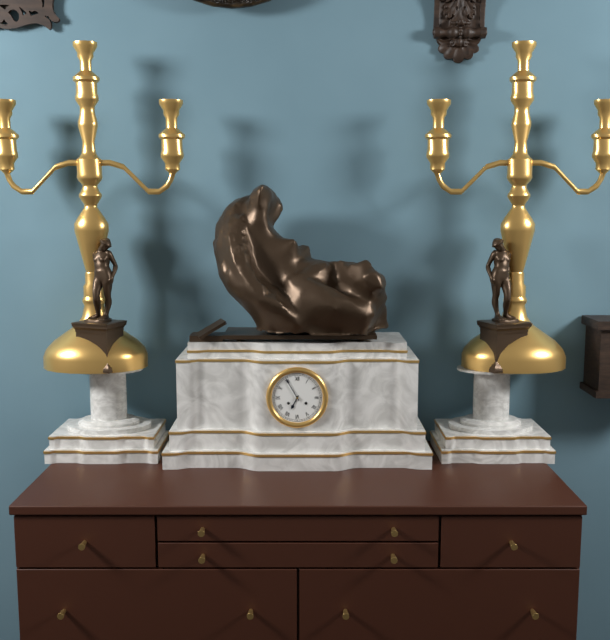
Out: 6h55
